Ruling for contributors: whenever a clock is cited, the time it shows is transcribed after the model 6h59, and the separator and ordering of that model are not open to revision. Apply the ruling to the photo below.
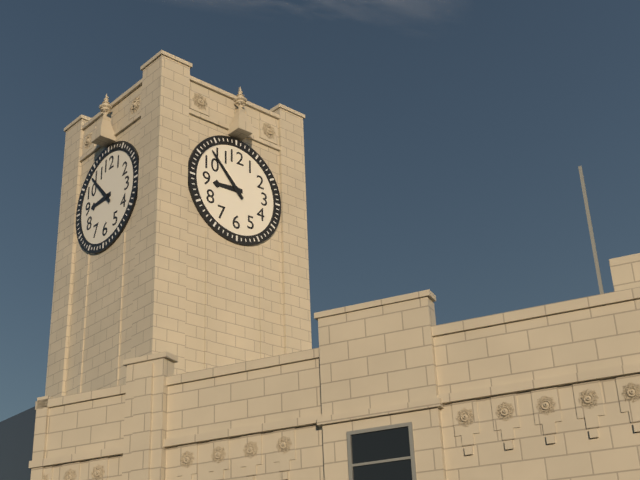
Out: 8h53
